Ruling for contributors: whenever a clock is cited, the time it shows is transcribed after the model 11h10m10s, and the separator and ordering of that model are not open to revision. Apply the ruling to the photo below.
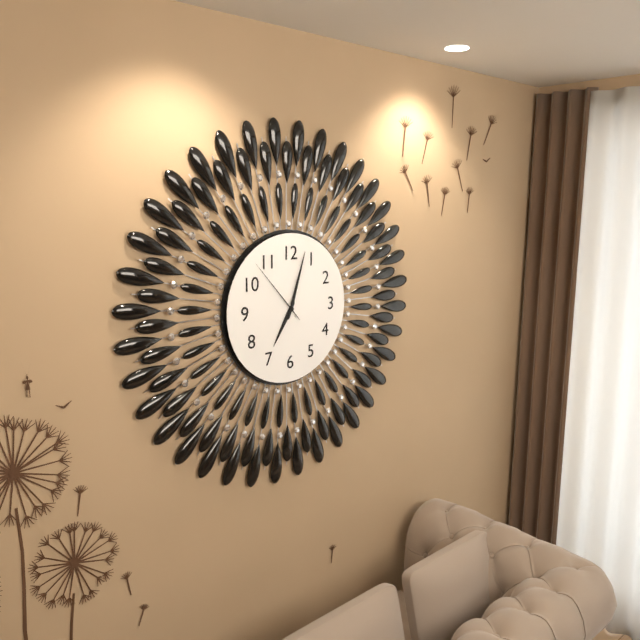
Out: 7h03m53s
